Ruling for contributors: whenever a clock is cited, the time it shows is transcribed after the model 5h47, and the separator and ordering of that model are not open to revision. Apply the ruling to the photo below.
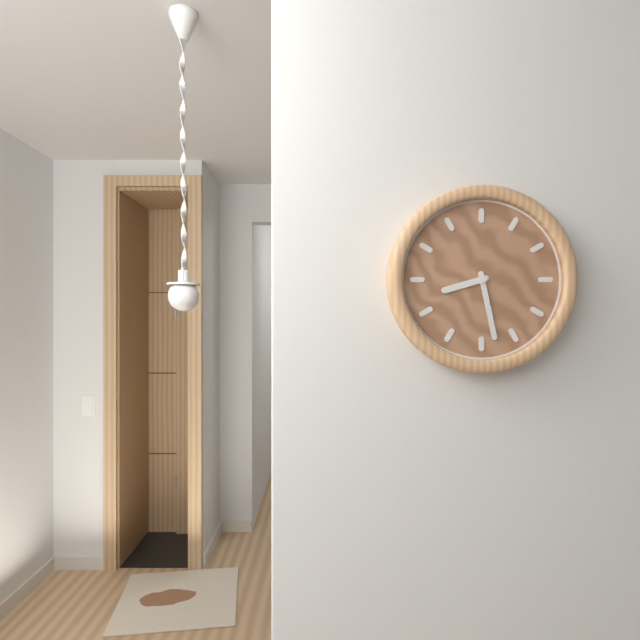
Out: 8h28
